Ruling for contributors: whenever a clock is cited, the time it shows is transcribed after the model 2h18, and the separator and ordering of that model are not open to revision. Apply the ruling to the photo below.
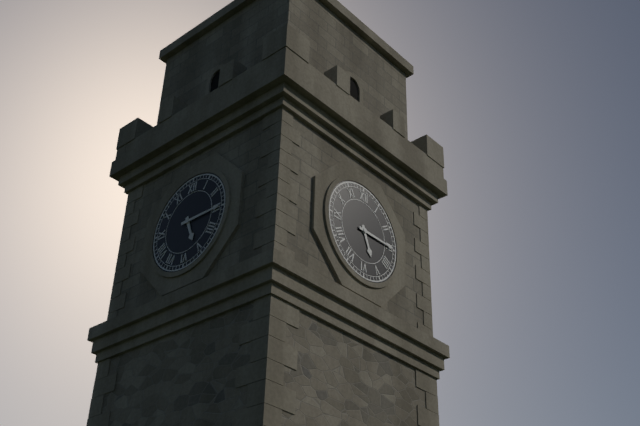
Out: 5h15
